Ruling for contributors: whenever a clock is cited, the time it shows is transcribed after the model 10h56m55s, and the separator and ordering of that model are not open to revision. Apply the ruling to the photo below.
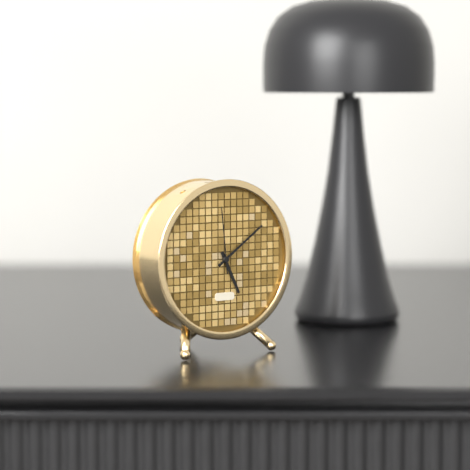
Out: 5h09m59s
